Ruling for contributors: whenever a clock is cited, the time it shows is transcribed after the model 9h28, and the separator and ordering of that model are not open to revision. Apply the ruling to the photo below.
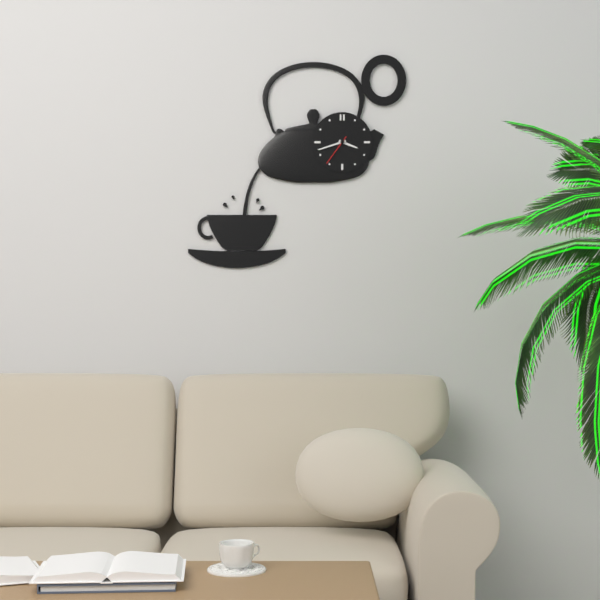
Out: 3h42
